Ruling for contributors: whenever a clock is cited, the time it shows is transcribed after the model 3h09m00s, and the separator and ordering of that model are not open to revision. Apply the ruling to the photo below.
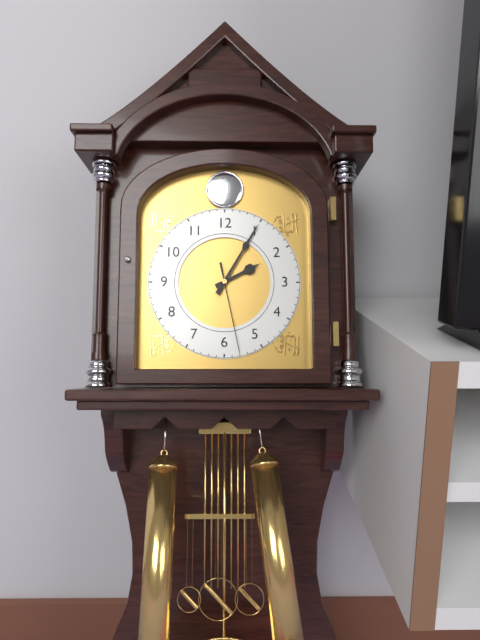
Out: 2h05m28s
